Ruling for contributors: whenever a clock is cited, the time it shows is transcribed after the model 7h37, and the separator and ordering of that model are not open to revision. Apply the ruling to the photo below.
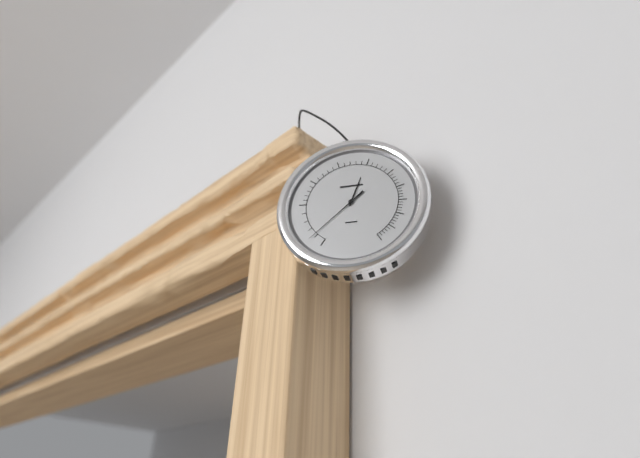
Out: 12h38
